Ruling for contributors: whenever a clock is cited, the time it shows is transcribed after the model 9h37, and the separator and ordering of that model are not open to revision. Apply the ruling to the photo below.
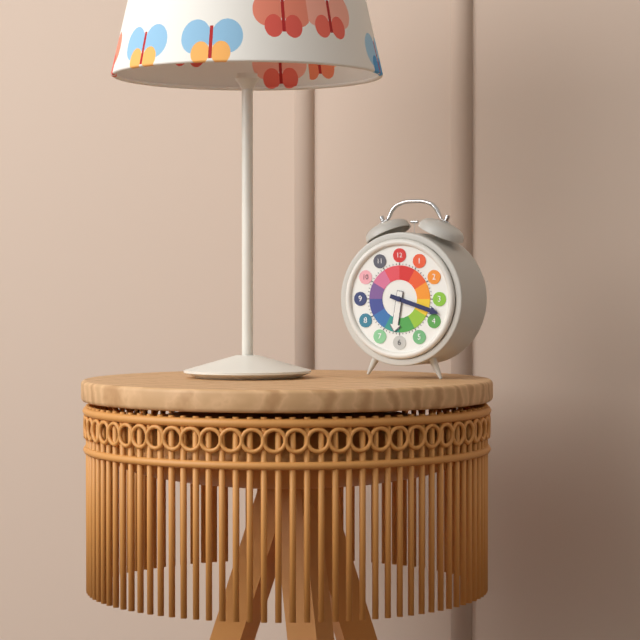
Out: 6h18
